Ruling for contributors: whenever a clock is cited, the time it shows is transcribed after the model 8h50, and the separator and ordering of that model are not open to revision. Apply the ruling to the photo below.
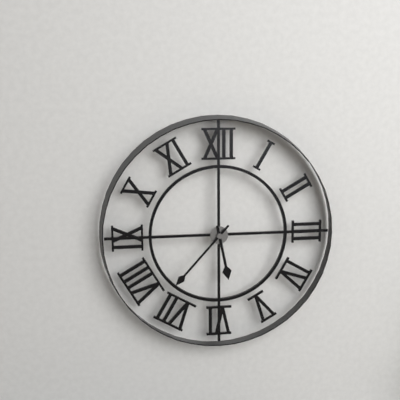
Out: 5h37
